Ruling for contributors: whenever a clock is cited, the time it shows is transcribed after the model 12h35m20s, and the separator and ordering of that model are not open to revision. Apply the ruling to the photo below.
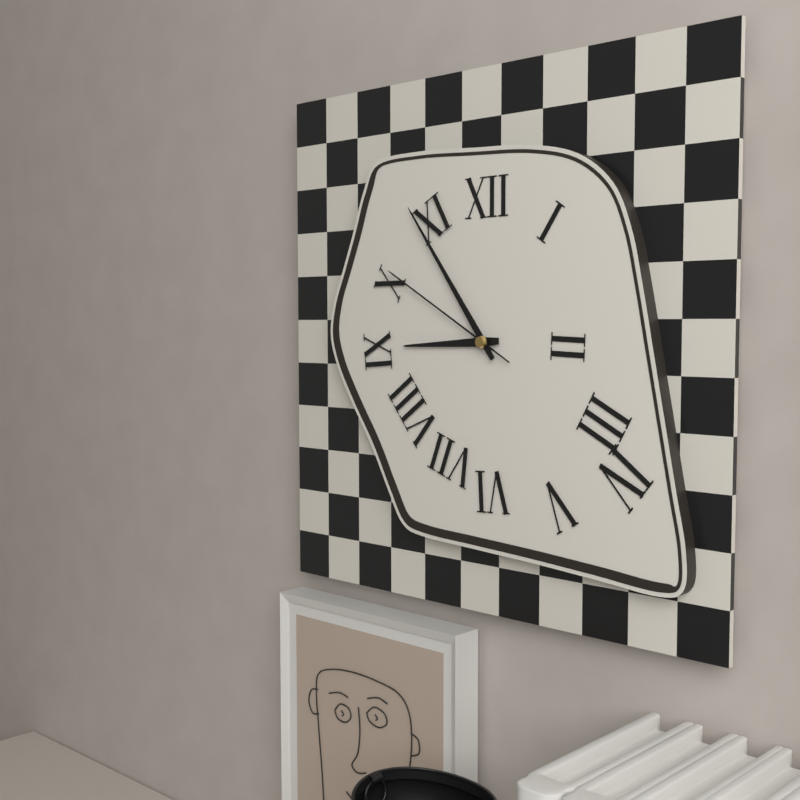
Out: 8h54m50s
